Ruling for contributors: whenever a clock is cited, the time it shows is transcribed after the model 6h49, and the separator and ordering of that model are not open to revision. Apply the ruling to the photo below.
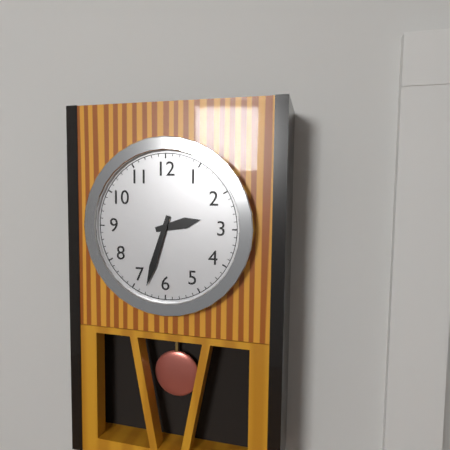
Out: 2h33
